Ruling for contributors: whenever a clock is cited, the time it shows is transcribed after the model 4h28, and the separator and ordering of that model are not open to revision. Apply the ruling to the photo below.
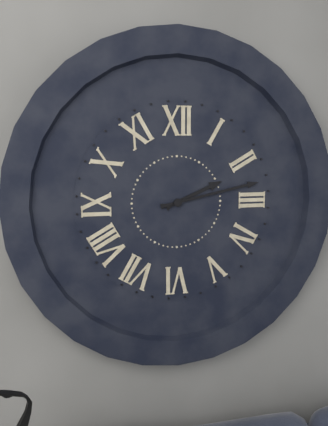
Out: 2h13
